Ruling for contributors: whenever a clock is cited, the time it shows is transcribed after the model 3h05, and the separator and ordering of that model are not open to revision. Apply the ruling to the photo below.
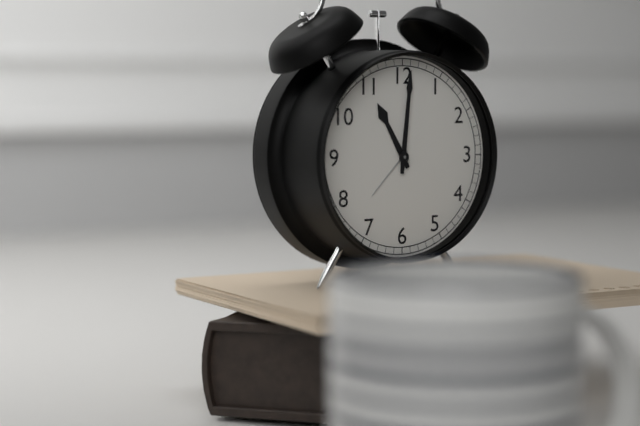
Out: 11h01
